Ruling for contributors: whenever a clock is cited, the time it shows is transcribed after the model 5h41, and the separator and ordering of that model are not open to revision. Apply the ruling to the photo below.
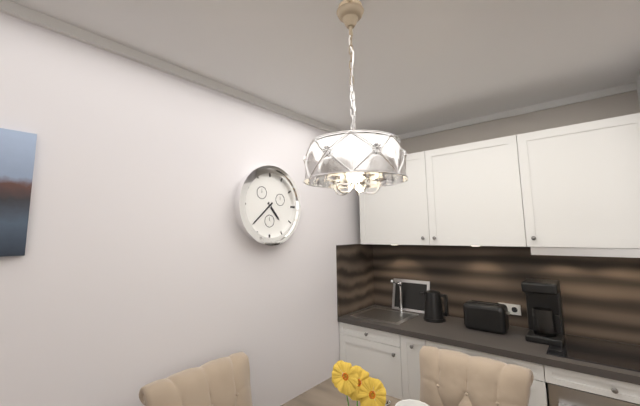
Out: 4h38
